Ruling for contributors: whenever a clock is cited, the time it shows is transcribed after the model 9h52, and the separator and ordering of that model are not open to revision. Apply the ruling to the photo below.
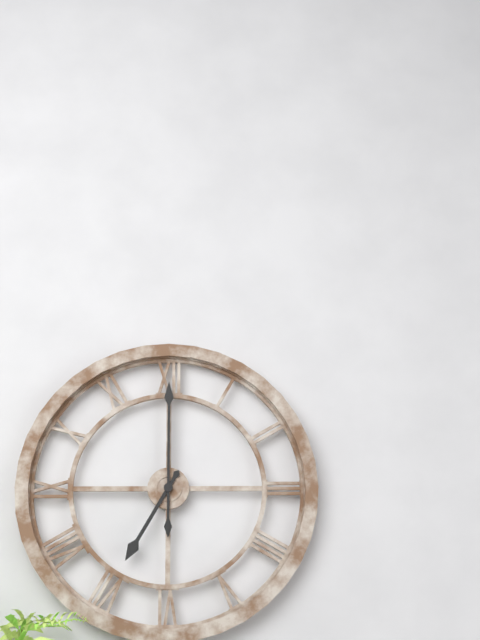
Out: 7h00
